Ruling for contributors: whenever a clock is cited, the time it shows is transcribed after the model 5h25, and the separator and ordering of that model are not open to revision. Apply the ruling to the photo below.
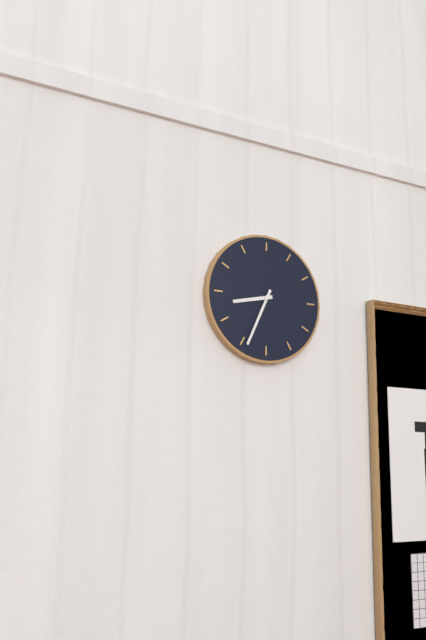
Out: 8h34
